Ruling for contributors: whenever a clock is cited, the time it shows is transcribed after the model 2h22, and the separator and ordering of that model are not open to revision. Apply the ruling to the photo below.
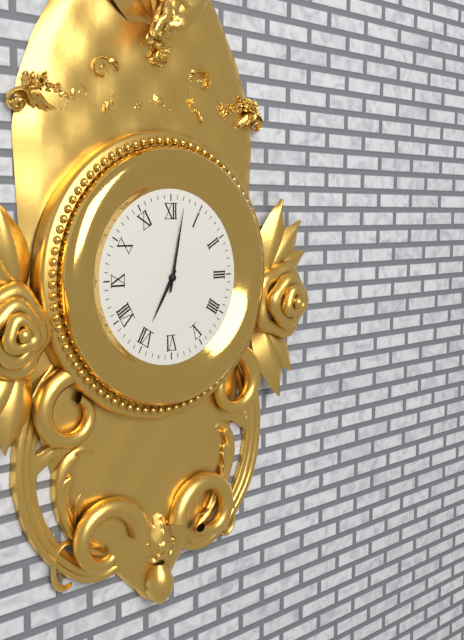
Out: 7h02
